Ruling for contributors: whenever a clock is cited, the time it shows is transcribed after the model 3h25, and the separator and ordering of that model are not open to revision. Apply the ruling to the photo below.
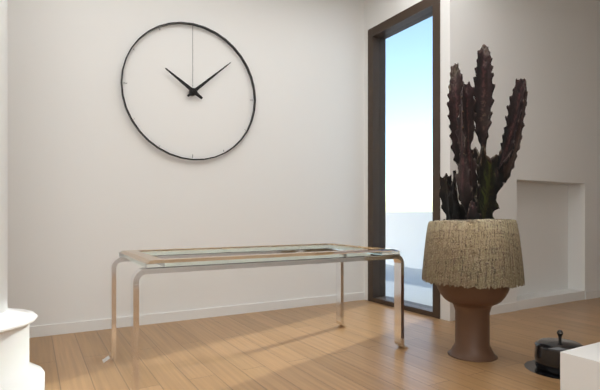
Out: 10h08
